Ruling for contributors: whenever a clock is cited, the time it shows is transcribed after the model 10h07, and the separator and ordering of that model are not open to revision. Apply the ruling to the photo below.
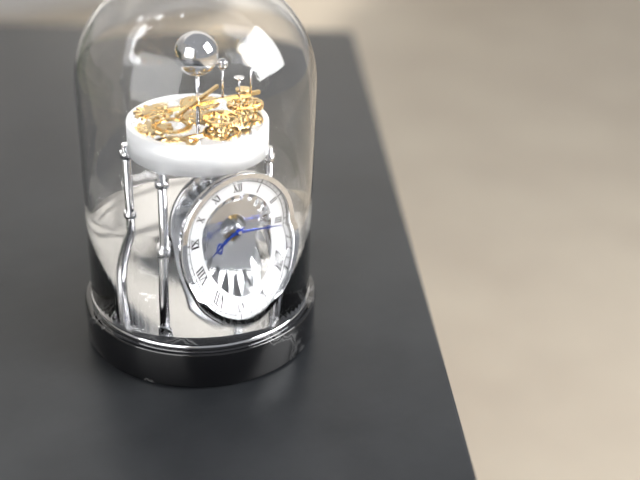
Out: 8h16
